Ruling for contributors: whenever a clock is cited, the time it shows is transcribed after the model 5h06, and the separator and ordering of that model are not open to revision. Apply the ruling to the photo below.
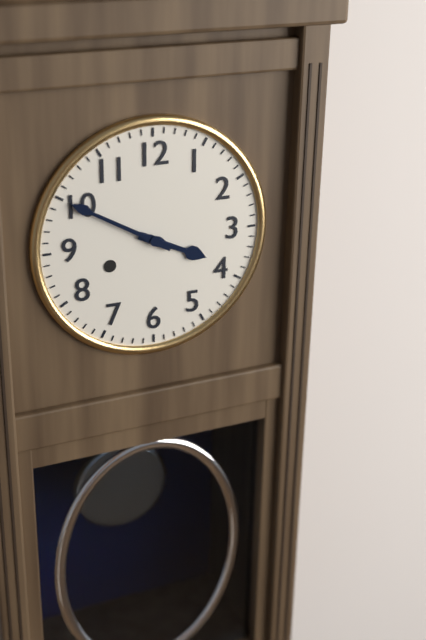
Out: 3h50
